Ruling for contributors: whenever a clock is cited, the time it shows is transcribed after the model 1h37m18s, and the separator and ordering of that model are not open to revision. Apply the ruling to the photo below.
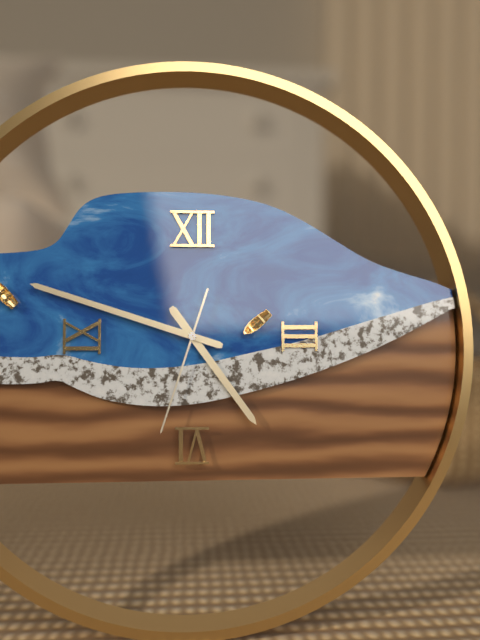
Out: 4h48m33s
